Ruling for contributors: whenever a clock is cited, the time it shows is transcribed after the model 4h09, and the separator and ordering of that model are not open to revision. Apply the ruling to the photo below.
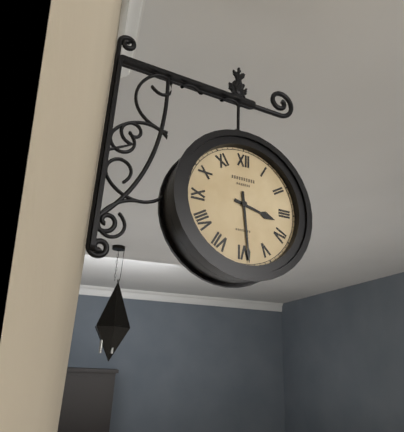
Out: 3h29
